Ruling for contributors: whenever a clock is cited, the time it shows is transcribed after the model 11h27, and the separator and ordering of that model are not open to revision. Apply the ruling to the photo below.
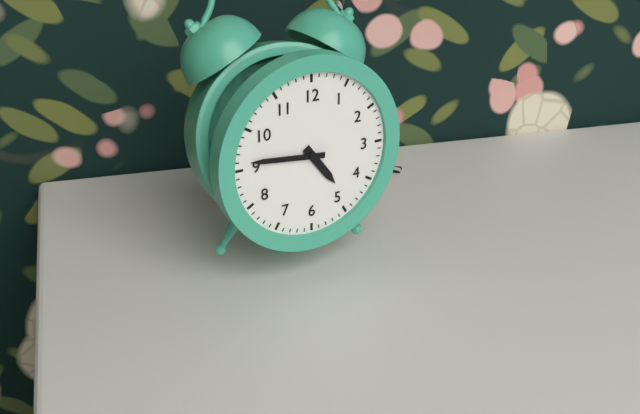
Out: 4h46
